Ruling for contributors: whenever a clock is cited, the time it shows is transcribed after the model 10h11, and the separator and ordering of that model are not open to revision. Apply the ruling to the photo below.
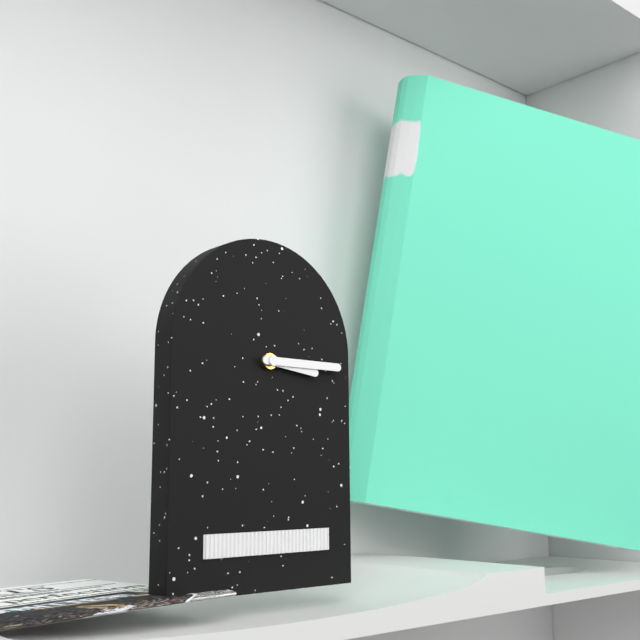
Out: 3h15
